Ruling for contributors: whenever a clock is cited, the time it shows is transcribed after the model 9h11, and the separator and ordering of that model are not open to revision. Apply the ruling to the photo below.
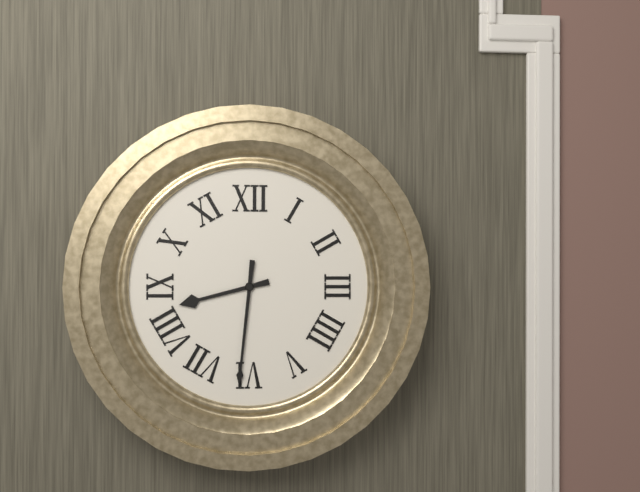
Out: 8h31
